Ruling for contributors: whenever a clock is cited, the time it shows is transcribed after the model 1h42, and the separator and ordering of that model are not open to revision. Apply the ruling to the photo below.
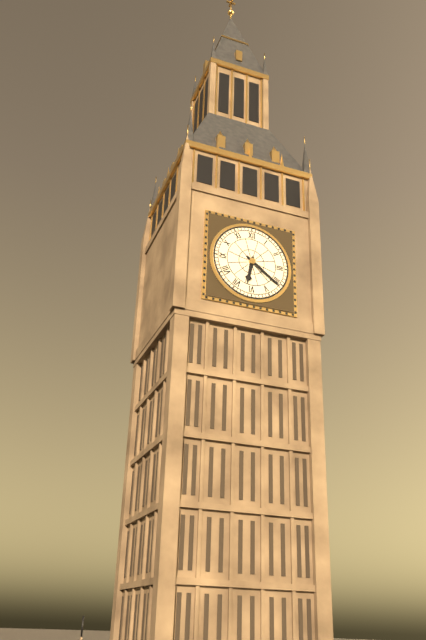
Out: 6h21
